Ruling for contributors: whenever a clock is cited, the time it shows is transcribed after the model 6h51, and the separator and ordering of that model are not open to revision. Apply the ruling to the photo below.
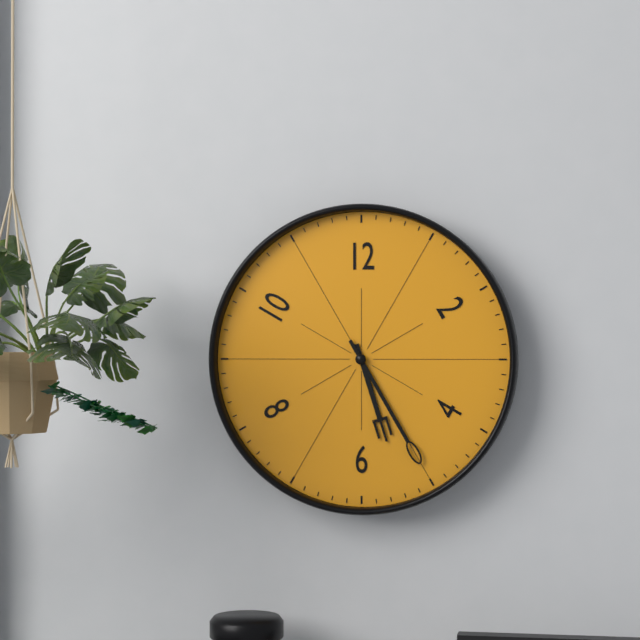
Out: 5h25
